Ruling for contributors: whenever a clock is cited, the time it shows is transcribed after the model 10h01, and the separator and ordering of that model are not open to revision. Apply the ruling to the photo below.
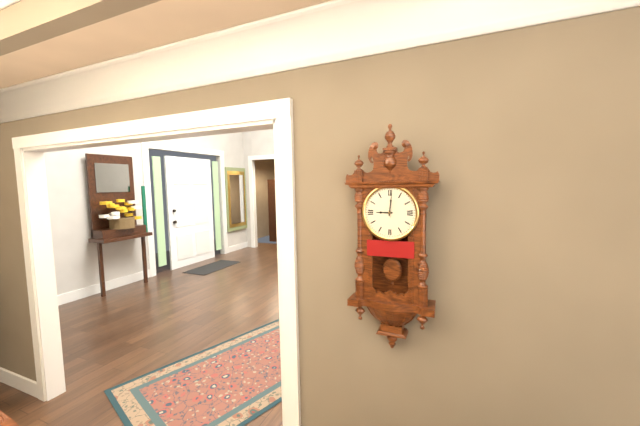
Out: 9h01
